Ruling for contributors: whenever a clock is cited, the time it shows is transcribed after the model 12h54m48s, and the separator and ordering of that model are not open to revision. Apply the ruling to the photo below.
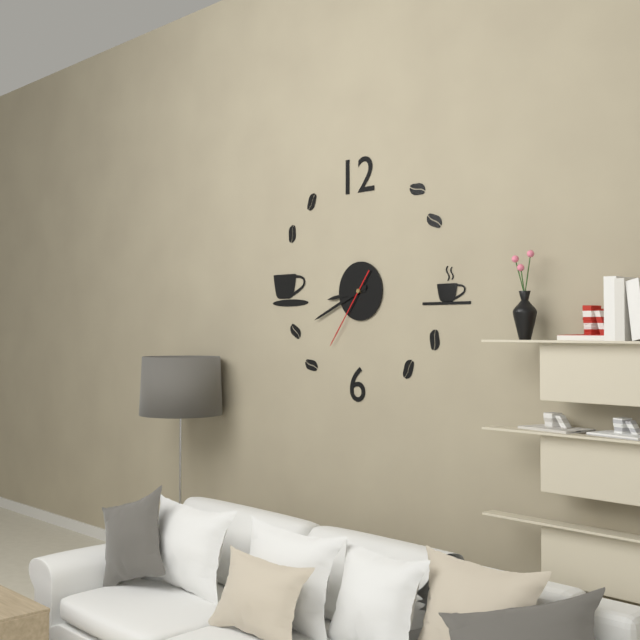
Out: 8h41m36s
